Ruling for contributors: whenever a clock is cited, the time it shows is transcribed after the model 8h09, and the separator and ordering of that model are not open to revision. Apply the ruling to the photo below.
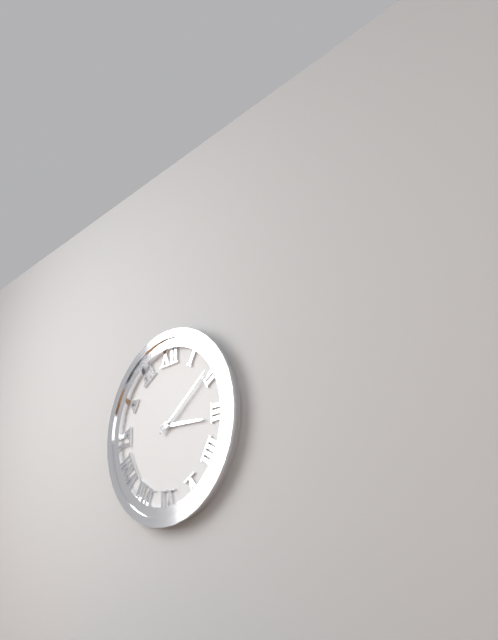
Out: 3h09
